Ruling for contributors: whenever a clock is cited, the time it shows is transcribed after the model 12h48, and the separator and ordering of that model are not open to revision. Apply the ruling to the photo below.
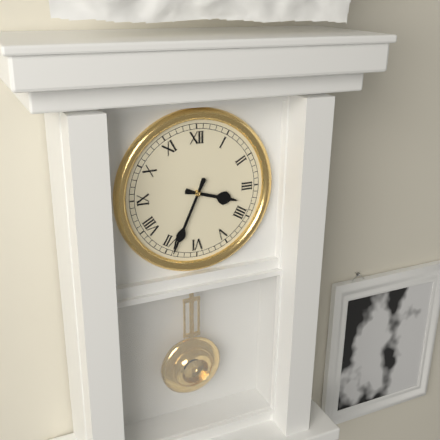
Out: 3h34
